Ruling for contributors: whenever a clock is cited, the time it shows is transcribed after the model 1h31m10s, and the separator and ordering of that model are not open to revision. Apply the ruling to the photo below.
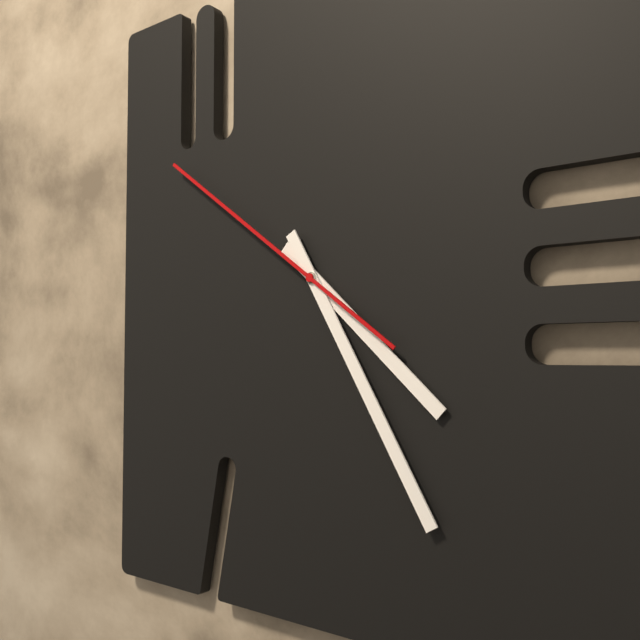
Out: 4h25m51s
